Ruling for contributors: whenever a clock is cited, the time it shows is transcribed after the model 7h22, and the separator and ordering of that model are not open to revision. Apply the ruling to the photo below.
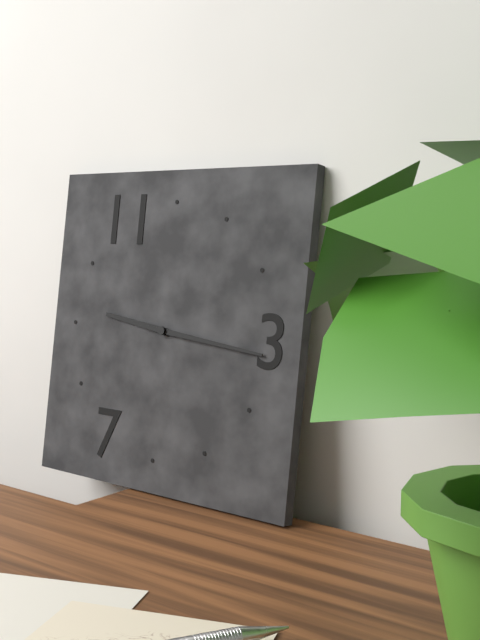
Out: 9h16
